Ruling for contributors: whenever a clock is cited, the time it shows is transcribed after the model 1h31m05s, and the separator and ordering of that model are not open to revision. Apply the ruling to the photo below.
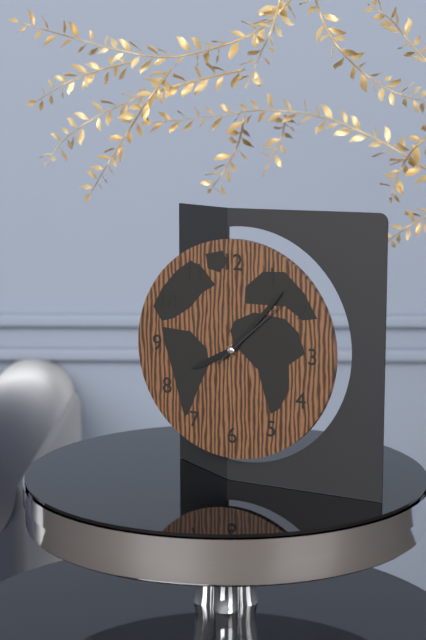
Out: 8h07m08s
